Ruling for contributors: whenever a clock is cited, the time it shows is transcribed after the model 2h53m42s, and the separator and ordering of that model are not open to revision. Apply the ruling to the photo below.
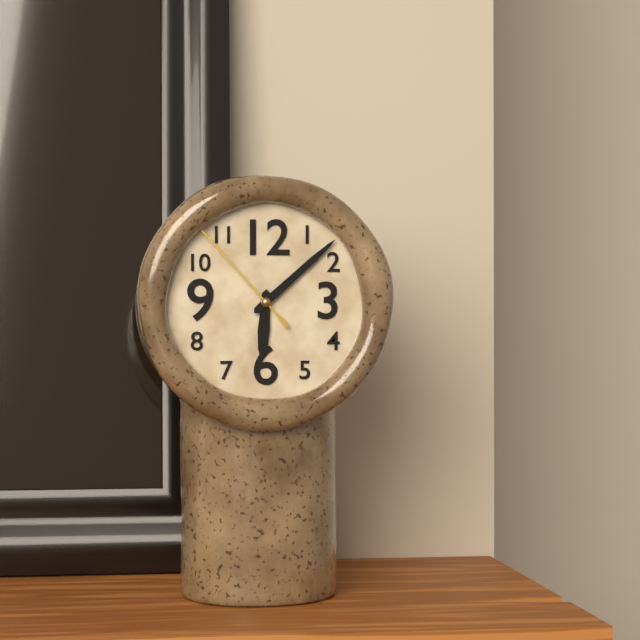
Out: 6h08m53s
